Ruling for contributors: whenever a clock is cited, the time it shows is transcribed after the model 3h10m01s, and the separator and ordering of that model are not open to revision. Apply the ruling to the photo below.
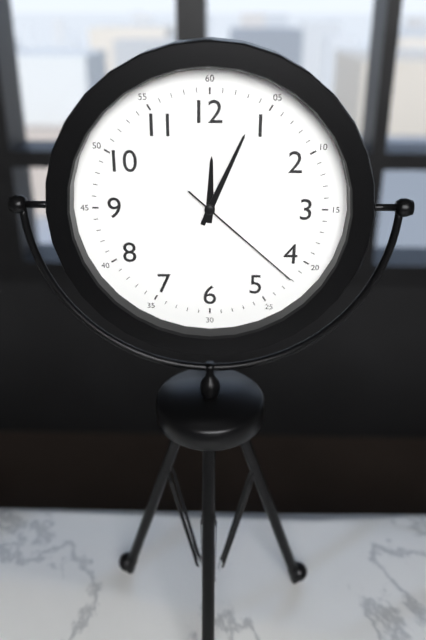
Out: 12h04m22s
